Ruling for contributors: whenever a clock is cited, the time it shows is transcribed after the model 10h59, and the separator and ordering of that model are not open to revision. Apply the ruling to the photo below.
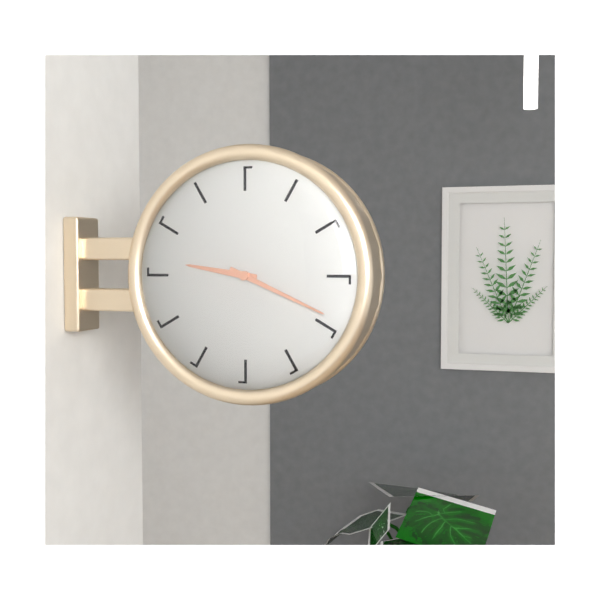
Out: 9h19
